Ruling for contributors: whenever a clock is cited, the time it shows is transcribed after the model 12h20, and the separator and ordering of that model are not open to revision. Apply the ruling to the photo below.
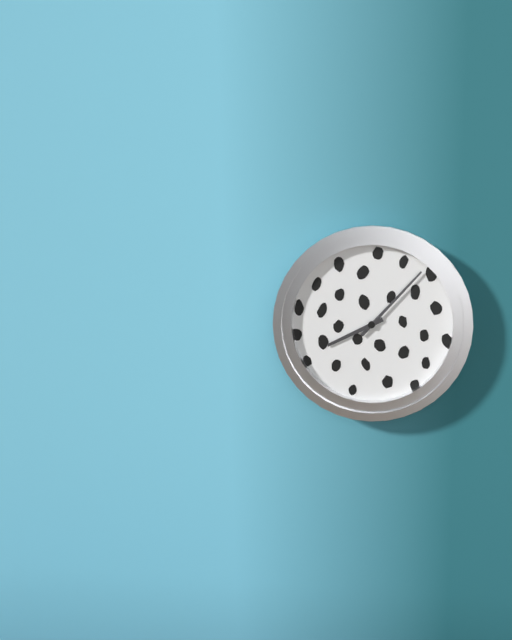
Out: 8h07
